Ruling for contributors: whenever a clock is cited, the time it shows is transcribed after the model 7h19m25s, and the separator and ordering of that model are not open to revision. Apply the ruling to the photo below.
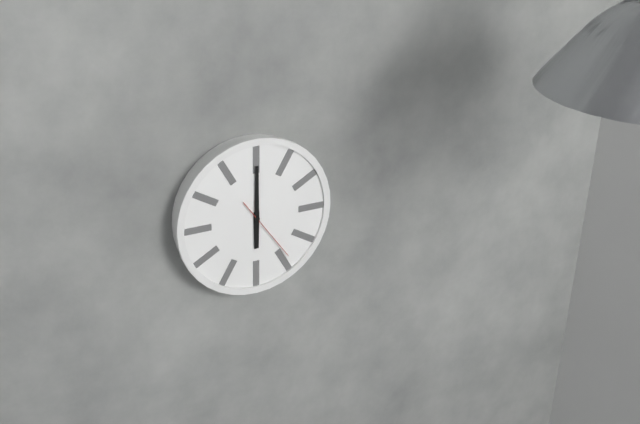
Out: 6h00m24s
